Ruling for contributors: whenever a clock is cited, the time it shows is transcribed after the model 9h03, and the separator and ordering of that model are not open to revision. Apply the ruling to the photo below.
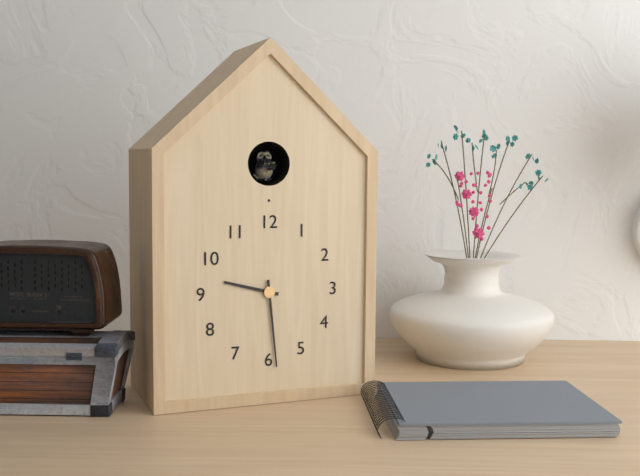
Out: 9h29
